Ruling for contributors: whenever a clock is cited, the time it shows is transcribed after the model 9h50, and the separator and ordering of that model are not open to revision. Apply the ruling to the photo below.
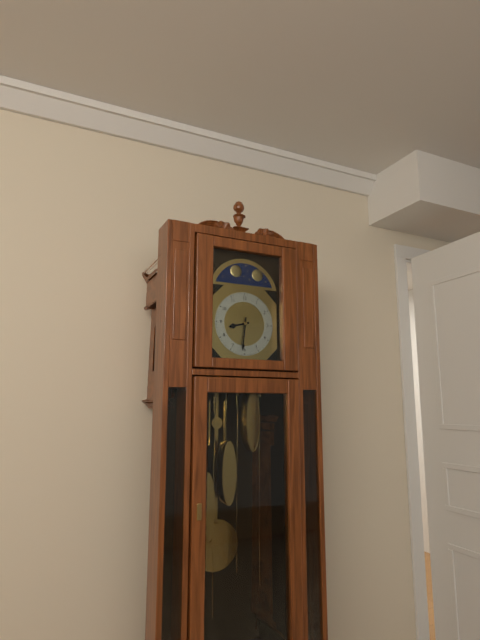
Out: 8h31
